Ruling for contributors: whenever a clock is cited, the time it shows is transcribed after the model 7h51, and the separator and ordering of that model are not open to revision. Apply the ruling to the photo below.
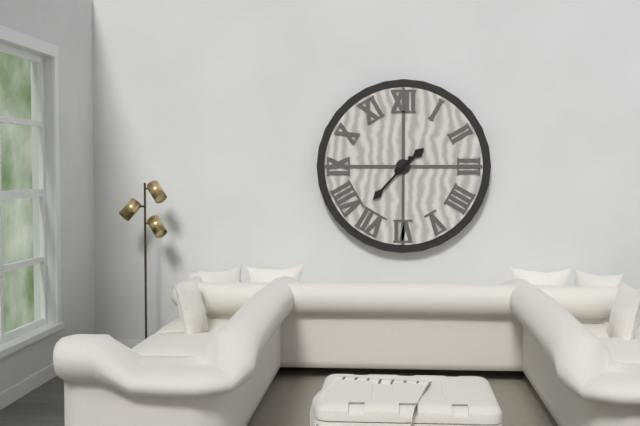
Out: 1h37
